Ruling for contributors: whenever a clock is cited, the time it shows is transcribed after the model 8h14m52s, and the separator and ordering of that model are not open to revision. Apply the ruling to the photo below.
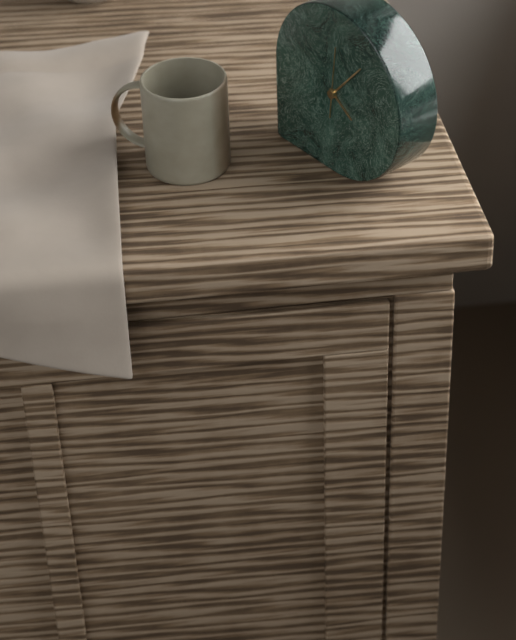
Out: 4h07m01s
